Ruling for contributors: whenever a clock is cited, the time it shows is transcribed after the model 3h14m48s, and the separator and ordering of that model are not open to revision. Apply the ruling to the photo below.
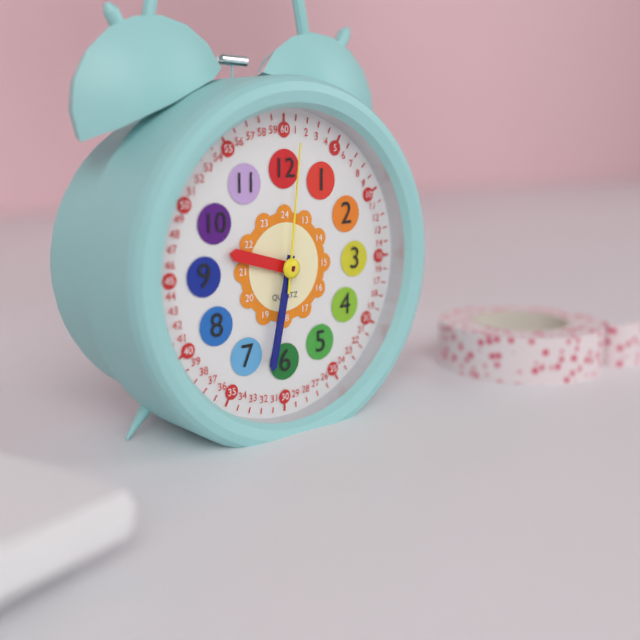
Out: 9h32m01s
